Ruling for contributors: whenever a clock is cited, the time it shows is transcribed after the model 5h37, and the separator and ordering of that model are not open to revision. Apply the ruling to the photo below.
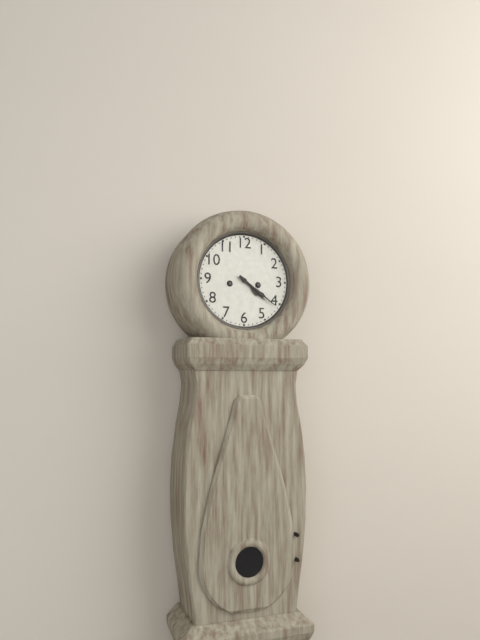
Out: 4h21
